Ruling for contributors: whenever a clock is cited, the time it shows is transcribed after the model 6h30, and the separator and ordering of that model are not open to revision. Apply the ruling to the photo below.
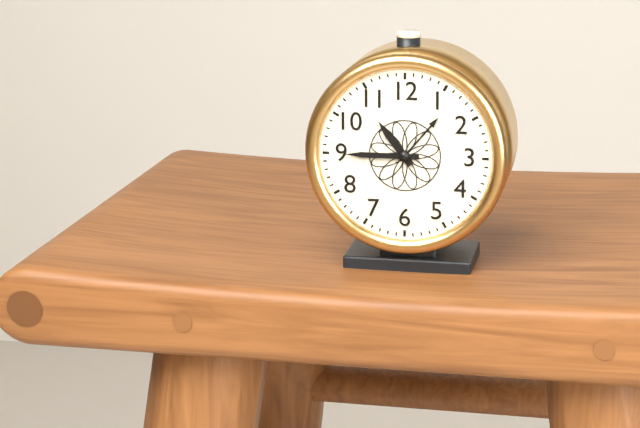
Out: 10h45
